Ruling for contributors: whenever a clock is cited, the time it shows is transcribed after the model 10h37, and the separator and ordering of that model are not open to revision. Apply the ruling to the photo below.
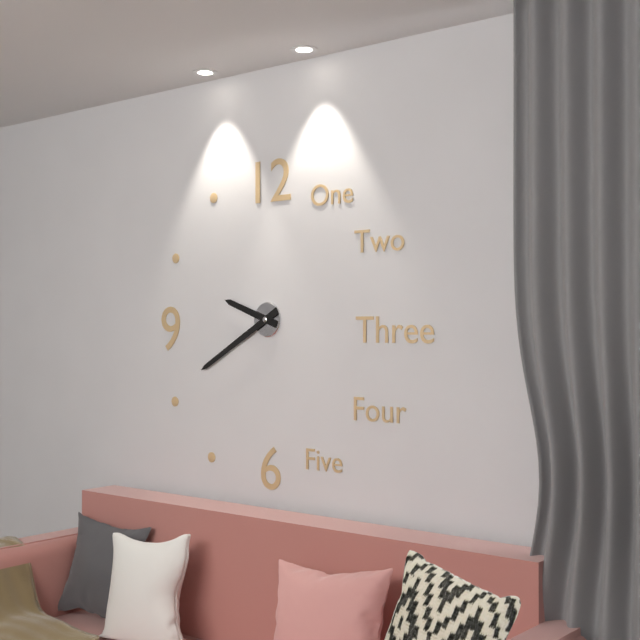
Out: 9h40
